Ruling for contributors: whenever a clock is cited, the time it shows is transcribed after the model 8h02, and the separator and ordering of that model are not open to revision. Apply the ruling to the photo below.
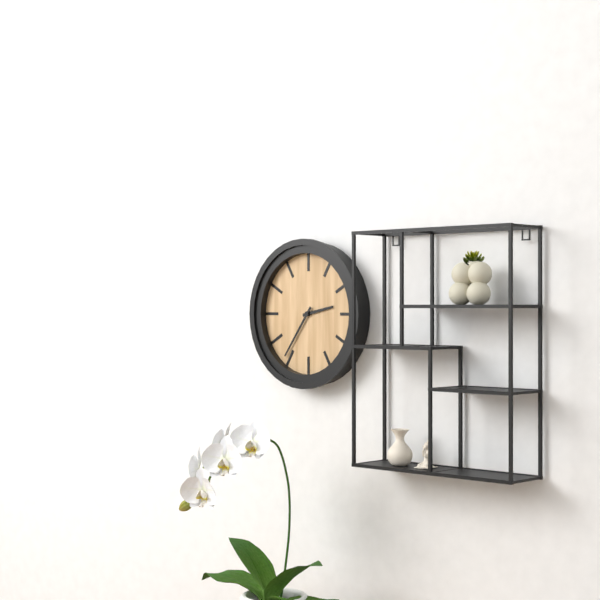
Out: 2h36
